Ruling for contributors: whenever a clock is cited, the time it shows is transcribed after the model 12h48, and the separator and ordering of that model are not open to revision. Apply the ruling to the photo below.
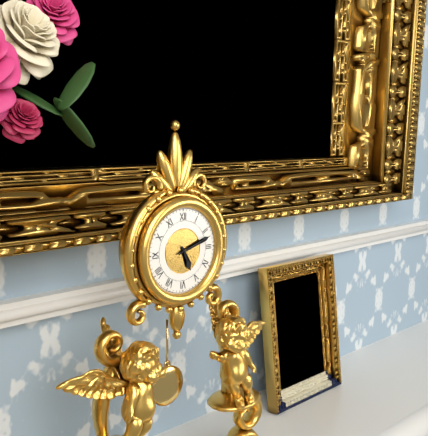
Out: 5h12
